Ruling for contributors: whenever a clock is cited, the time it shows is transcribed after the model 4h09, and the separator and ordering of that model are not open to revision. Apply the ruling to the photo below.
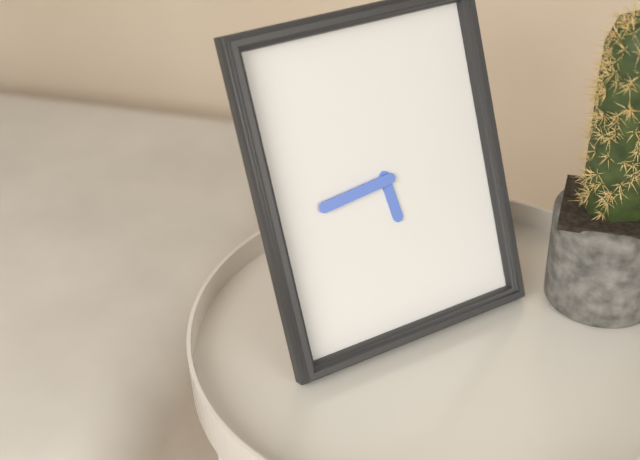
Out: 5h44
